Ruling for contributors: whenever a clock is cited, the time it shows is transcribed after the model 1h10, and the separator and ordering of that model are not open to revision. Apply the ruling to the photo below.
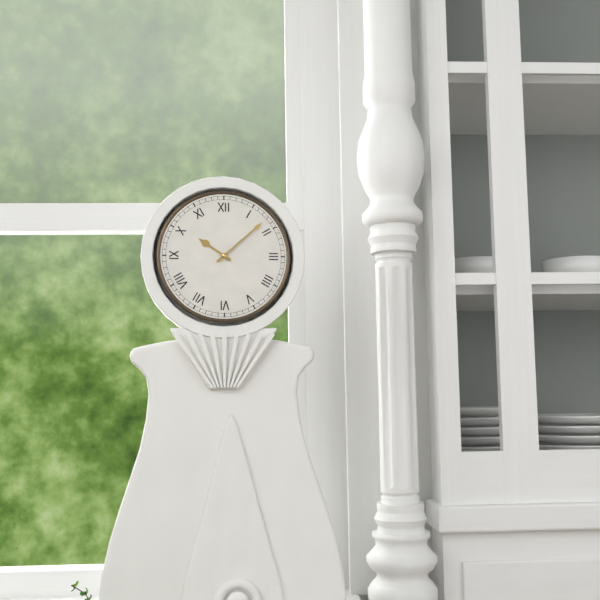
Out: 10h08
